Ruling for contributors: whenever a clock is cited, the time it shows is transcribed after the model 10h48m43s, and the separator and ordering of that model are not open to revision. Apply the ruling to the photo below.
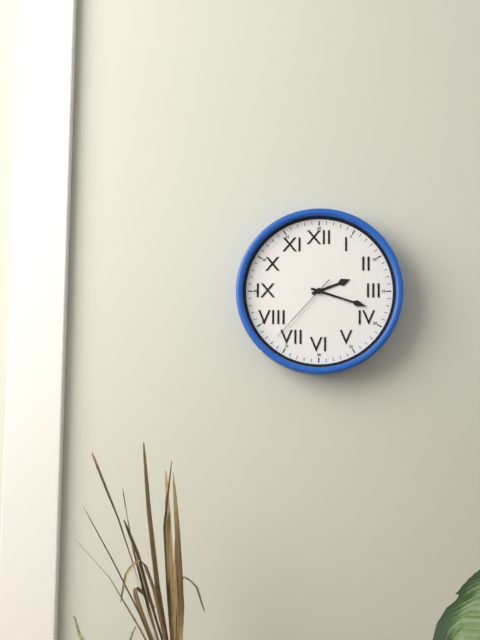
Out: 2h18m37s
